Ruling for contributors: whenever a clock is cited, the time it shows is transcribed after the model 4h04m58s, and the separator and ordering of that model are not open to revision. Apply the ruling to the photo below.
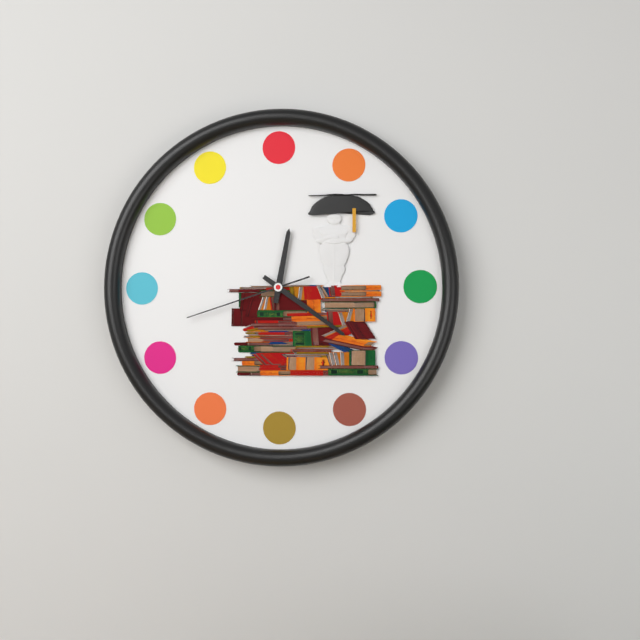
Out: 12h21m42s
